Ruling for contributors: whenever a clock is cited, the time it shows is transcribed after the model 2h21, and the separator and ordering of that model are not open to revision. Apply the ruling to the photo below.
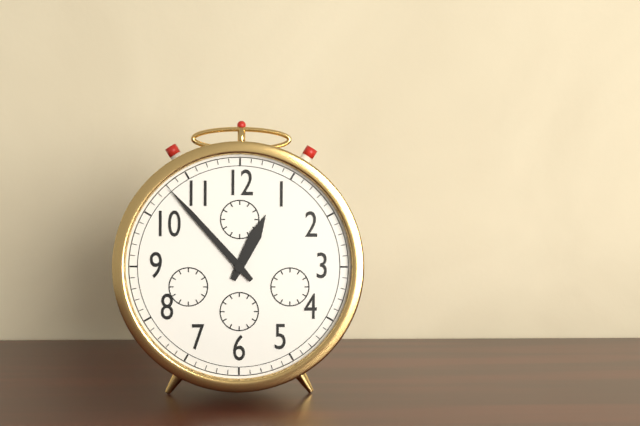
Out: 12h53
